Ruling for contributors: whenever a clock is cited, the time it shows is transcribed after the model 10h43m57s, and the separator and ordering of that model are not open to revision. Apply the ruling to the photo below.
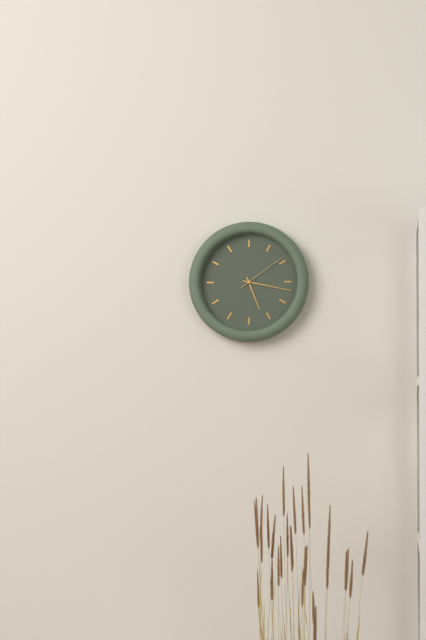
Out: 5h17m09s
